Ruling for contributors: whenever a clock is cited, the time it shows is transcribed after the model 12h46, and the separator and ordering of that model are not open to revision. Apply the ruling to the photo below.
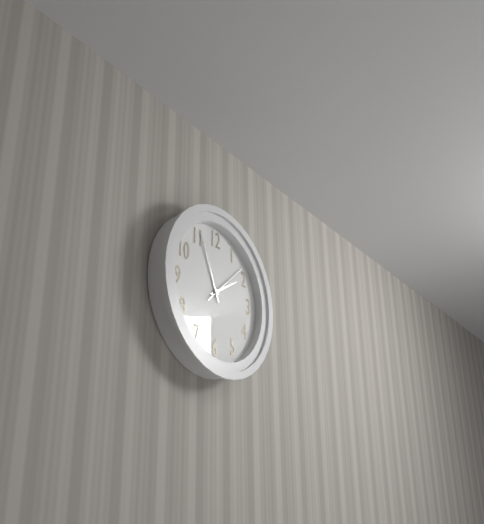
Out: 1h56
